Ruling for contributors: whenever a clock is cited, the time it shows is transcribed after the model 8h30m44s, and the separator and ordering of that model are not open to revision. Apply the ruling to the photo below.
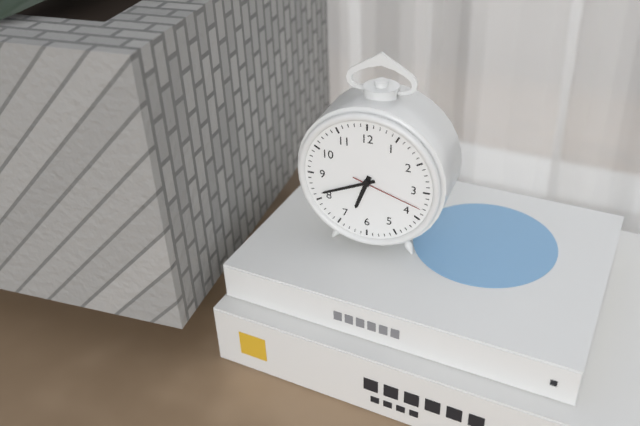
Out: 6h41m18s
